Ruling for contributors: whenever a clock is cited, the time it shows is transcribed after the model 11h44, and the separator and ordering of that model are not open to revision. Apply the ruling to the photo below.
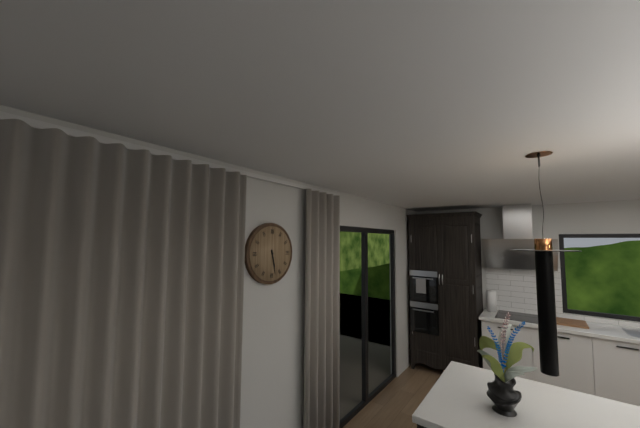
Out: 5h28
